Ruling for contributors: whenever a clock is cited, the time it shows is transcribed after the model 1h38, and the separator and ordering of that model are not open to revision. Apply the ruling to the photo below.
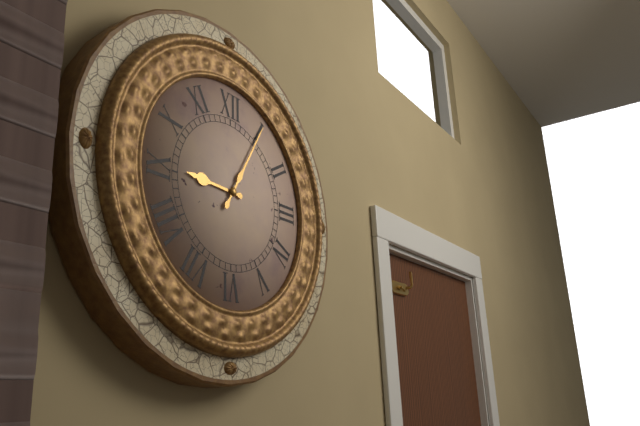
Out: 9h05
